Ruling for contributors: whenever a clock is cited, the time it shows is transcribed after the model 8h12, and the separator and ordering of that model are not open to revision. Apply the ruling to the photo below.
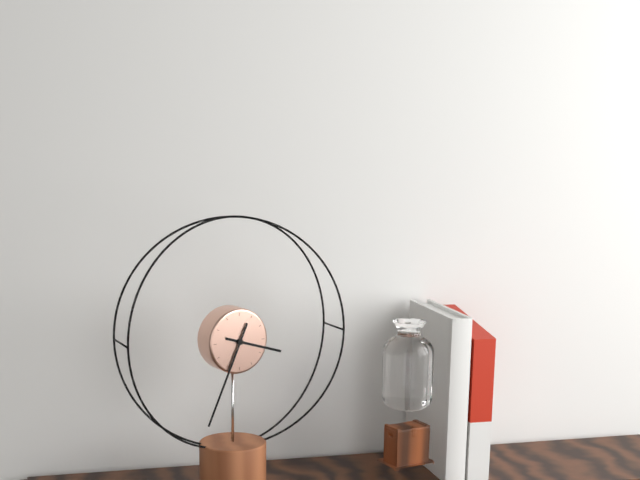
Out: 3h34
